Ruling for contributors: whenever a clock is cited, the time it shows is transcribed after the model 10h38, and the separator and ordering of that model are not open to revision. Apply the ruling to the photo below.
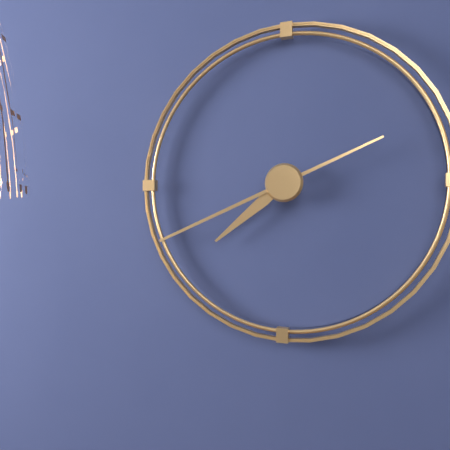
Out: 7h41
